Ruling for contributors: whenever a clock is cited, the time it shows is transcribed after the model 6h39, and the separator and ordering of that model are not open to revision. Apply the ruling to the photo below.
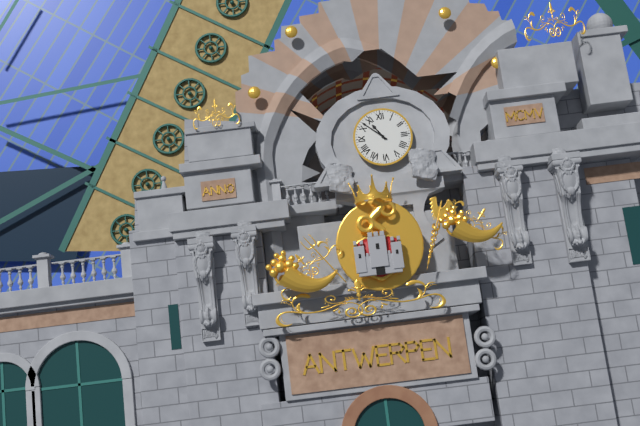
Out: 10h52
